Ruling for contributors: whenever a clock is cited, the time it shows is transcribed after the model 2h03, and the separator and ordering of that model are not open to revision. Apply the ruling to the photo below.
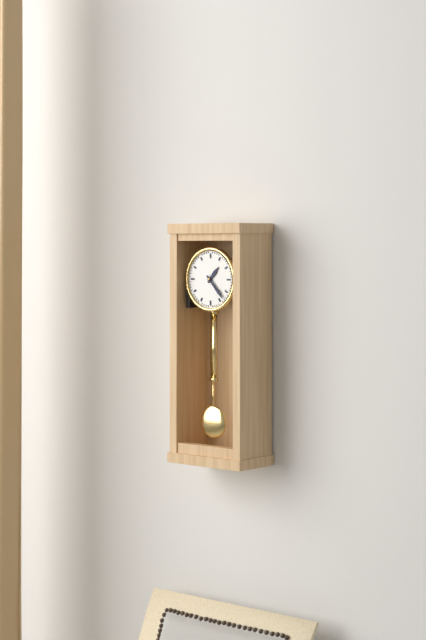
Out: 1h23
